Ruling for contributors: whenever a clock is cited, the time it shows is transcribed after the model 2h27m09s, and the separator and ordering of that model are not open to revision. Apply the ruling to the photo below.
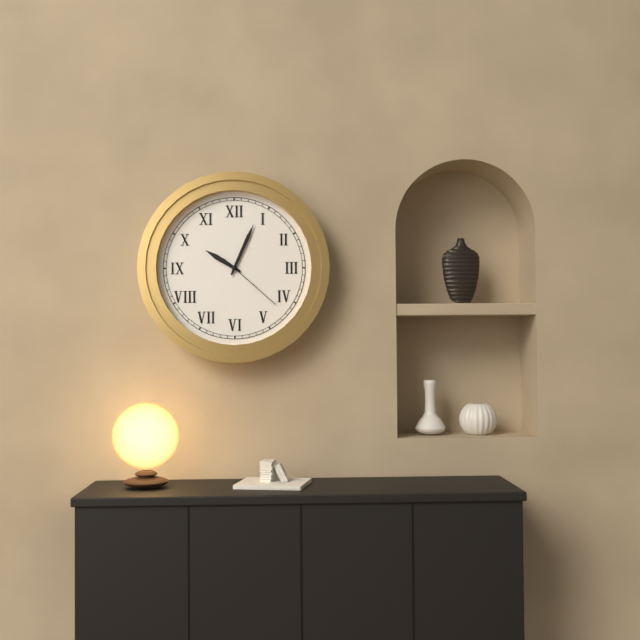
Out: 10h04m22s
